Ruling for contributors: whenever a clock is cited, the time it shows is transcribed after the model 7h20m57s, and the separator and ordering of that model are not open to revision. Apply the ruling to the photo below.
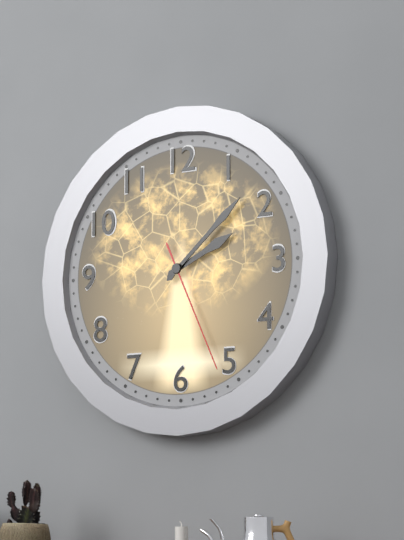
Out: 2h08m26s
